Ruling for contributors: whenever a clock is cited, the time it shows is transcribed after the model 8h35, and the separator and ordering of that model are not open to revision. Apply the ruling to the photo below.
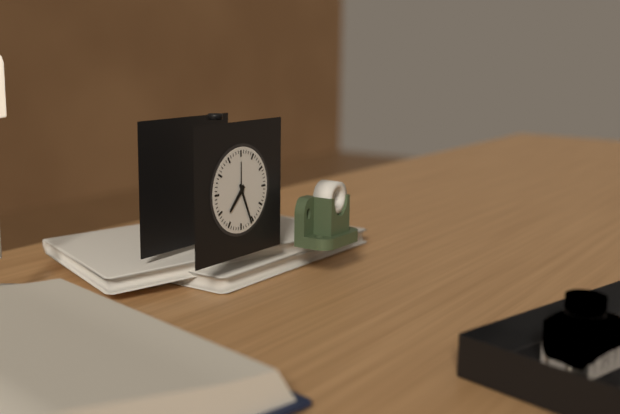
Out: 7h26
